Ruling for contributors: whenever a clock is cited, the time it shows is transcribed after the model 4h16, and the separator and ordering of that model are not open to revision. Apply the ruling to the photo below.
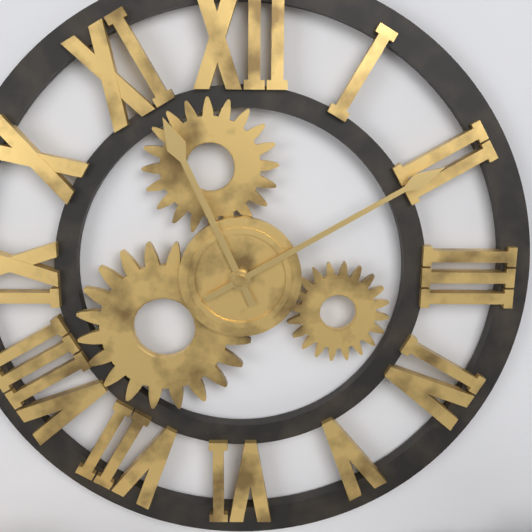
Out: 11h10
